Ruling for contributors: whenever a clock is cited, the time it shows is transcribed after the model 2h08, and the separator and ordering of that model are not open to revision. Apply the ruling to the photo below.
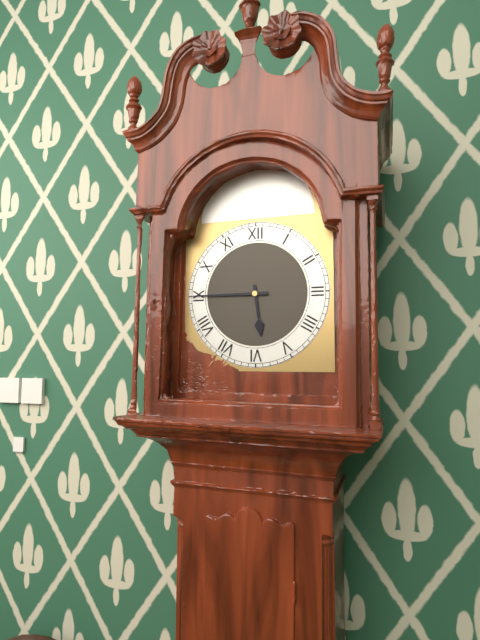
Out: 5h45
